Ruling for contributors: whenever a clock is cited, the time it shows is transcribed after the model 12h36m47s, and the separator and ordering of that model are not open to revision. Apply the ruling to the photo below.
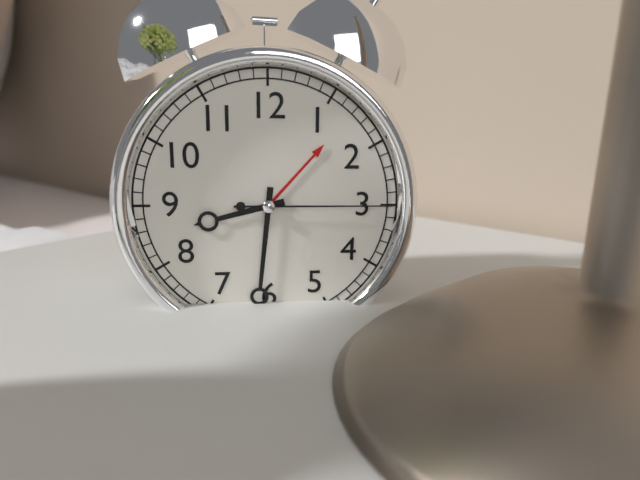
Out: 8h31m15s
